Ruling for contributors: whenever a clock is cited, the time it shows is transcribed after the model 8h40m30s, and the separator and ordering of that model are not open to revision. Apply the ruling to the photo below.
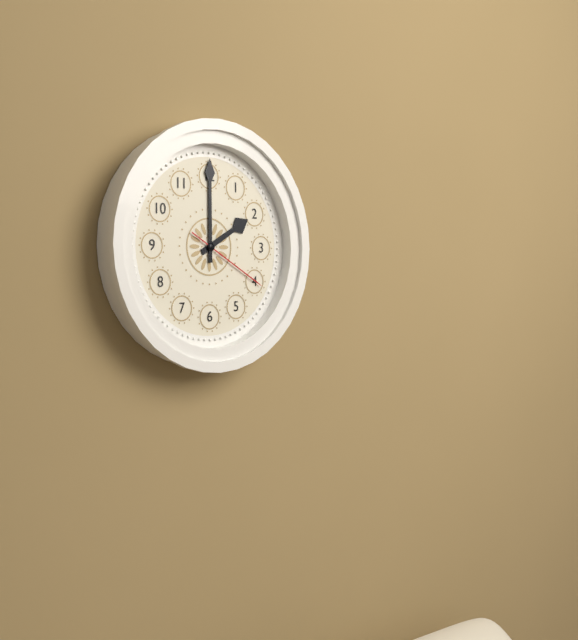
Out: 2h00m20s
